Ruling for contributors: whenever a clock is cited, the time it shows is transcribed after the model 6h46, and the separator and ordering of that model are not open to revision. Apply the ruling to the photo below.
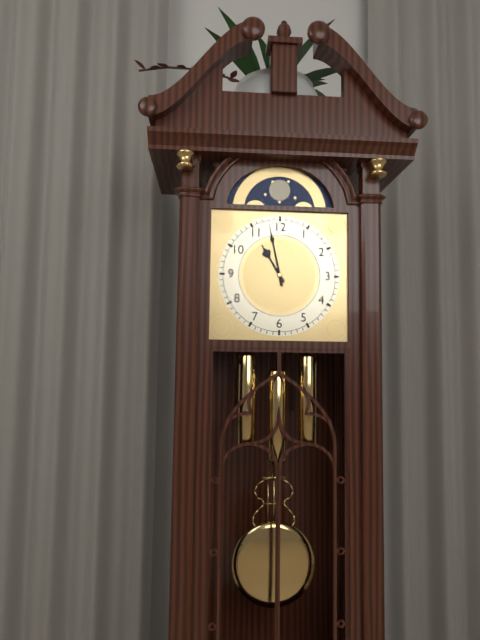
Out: 10h58
